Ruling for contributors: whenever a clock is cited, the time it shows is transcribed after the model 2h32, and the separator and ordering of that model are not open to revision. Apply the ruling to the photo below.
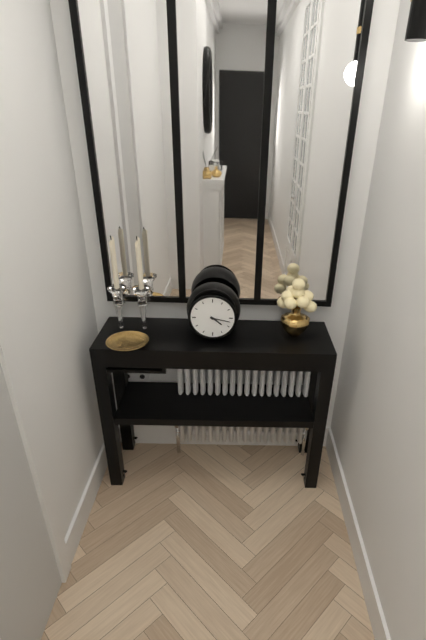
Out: 4h17
